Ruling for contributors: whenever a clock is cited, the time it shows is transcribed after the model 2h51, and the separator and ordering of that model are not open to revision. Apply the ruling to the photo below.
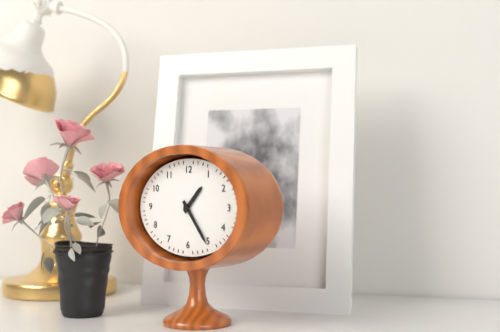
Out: 1h24
